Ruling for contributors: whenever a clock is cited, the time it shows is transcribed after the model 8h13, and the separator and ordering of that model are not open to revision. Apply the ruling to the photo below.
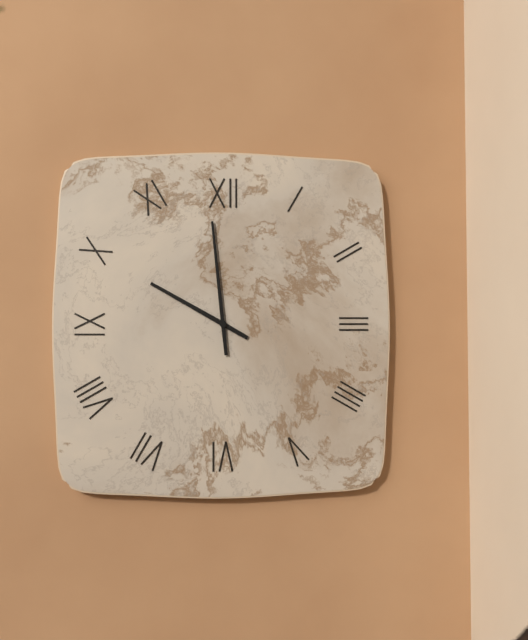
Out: 9h59
